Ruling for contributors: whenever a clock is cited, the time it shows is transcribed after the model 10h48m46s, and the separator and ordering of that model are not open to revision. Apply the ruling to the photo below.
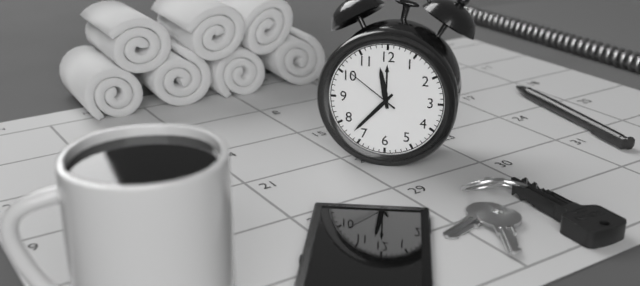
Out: 11h37m51s
